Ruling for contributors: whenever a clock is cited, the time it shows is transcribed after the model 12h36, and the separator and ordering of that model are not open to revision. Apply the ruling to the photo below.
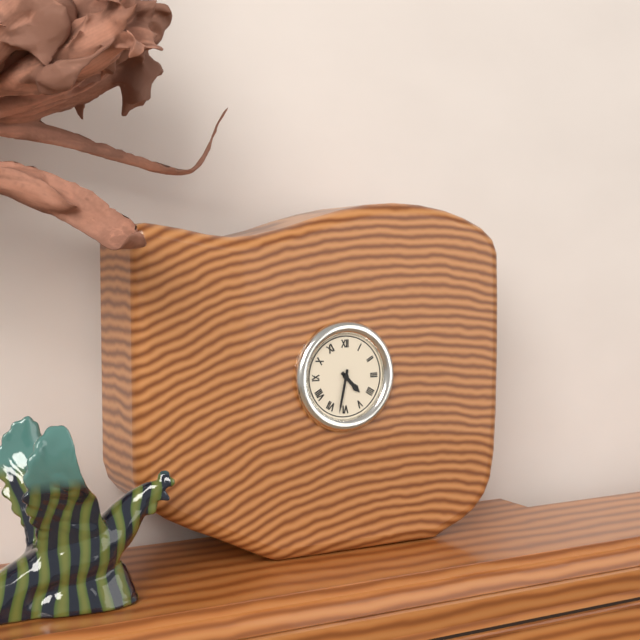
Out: 4h32
